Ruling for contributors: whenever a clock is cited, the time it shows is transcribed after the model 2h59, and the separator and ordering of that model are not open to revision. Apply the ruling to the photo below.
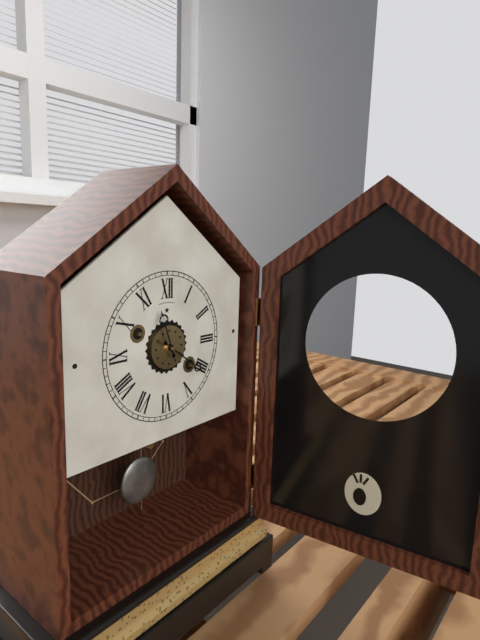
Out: 11h21
